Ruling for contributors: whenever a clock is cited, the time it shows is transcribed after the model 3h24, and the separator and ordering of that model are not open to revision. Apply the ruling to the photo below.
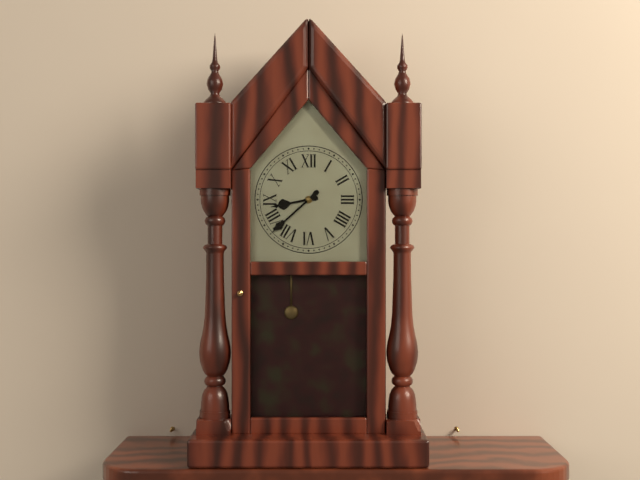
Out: 8h38
